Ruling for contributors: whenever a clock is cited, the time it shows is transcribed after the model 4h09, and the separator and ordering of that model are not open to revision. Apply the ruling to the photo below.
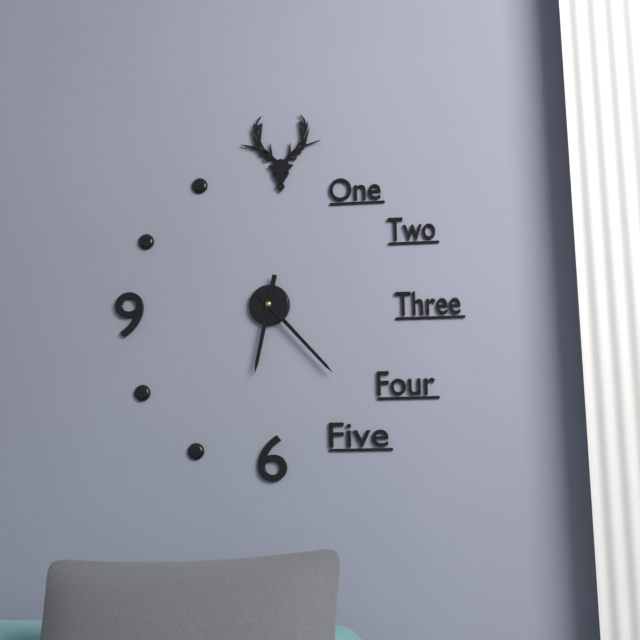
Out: 6h23
